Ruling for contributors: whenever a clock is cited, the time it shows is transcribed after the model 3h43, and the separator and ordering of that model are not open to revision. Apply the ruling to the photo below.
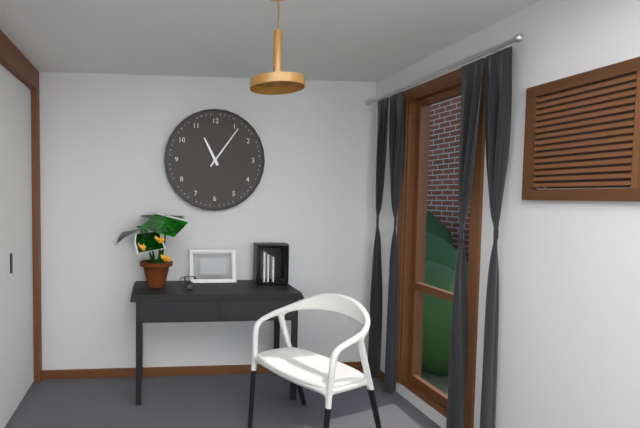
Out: 11h06
